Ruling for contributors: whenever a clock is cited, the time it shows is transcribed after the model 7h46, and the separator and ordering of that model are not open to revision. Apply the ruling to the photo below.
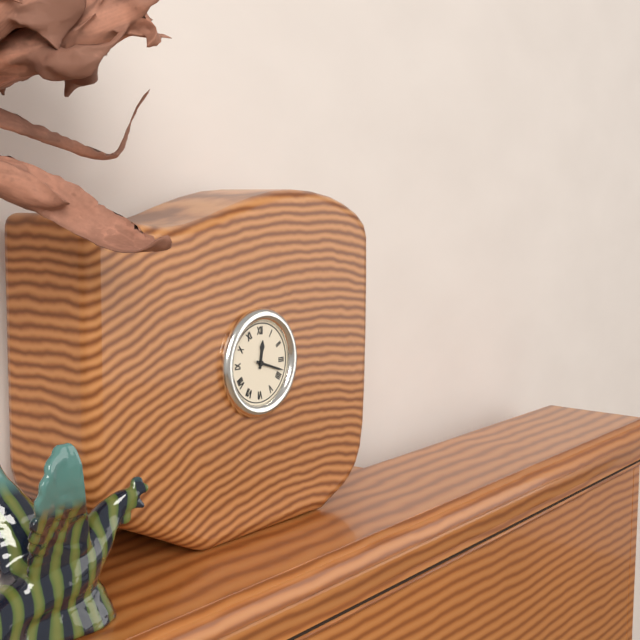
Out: 12h18
